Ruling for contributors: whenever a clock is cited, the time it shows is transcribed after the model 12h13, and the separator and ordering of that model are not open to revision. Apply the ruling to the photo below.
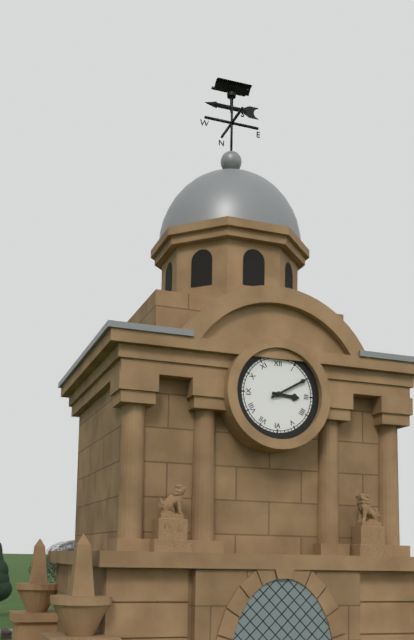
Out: 3h10
